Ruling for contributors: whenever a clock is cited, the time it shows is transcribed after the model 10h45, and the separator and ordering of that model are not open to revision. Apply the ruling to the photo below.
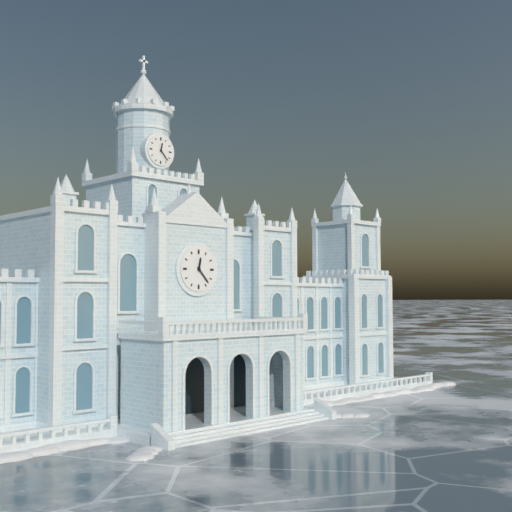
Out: 12h23
